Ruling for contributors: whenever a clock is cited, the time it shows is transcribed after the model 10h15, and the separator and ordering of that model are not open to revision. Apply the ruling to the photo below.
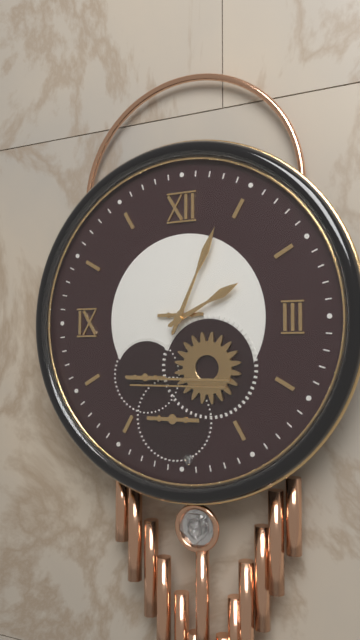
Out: 2h04
